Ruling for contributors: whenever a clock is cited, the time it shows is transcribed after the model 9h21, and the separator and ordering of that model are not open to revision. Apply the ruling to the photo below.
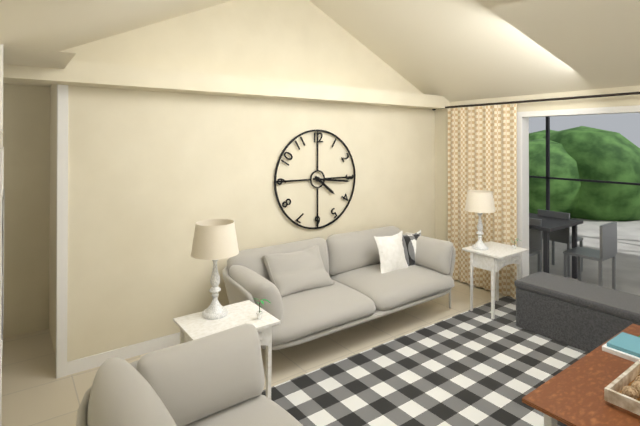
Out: 4h16
